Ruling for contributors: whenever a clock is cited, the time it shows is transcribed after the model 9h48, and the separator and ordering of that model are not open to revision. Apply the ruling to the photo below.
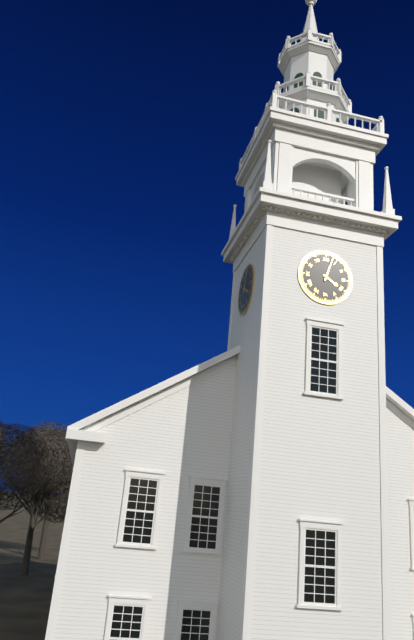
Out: 4h03
